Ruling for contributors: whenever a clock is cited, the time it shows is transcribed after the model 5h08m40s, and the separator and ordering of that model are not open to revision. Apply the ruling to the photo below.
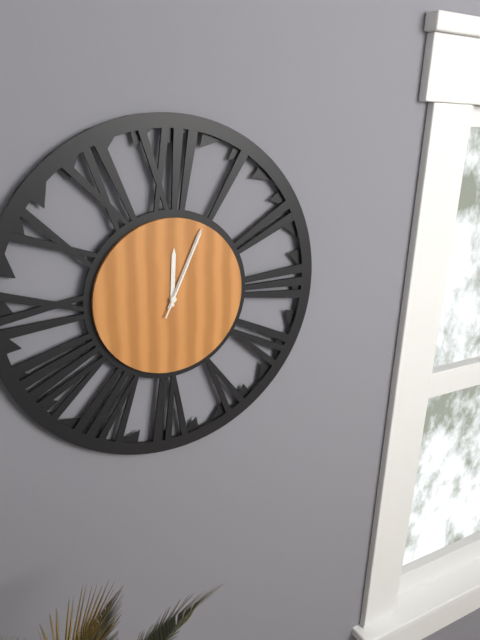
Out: 12h04m04s
